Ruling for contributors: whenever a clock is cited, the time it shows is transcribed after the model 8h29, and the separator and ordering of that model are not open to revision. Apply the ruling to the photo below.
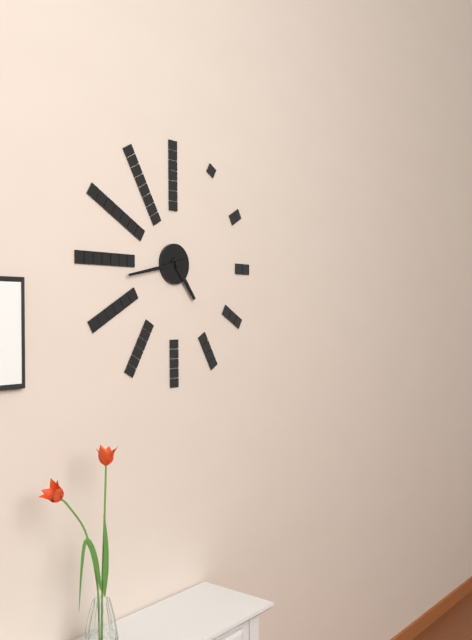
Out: 4h43
